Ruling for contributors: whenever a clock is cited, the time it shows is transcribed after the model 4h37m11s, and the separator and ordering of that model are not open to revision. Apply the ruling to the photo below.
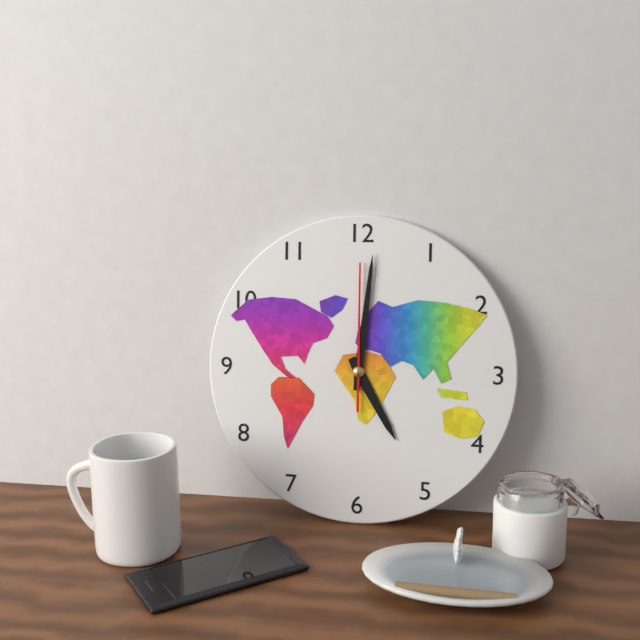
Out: 5h01m00s
